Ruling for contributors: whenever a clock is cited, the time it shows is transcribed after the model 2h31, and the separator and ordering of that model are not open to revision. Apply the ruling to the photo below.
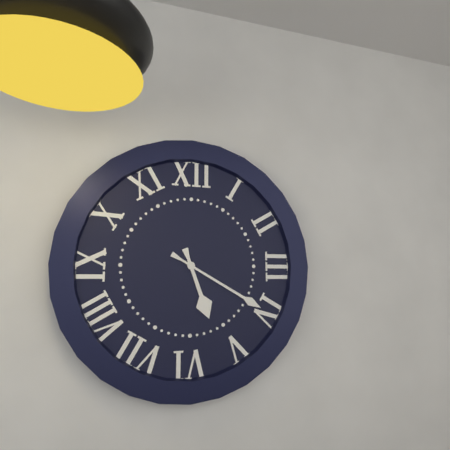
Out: 5h20
